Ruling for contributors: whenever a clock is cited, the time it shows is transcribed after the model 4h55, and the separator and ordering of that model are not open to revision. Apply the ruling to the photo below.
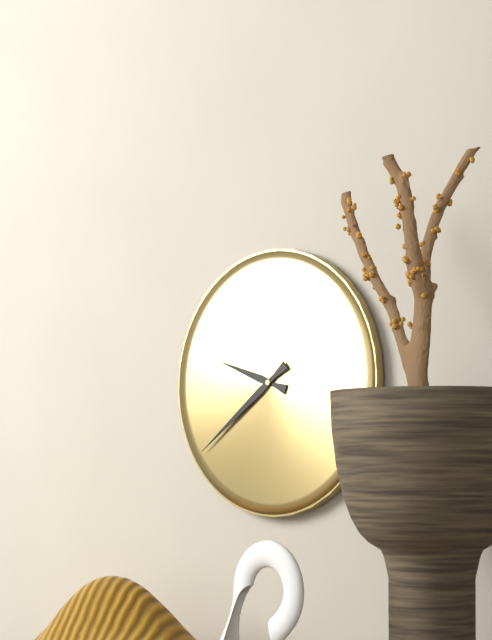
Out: 9h39
